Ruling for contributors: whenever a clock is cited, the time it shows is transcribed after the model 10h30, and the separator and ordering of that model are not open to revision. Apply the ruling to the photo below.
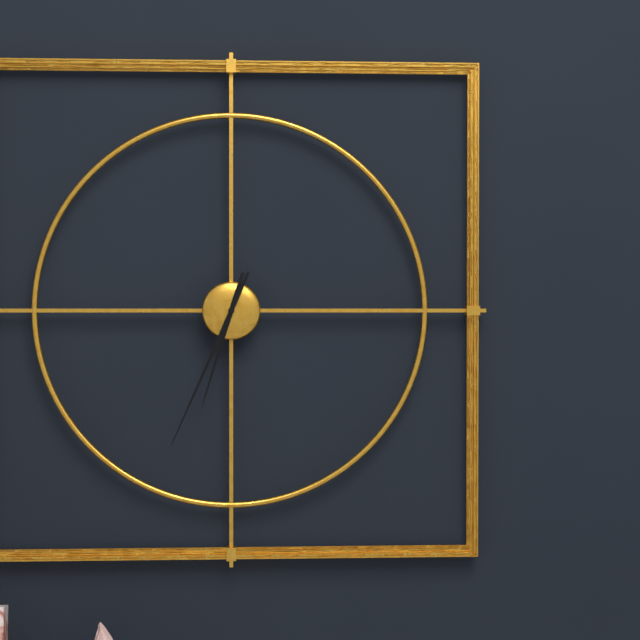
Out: 6h34
